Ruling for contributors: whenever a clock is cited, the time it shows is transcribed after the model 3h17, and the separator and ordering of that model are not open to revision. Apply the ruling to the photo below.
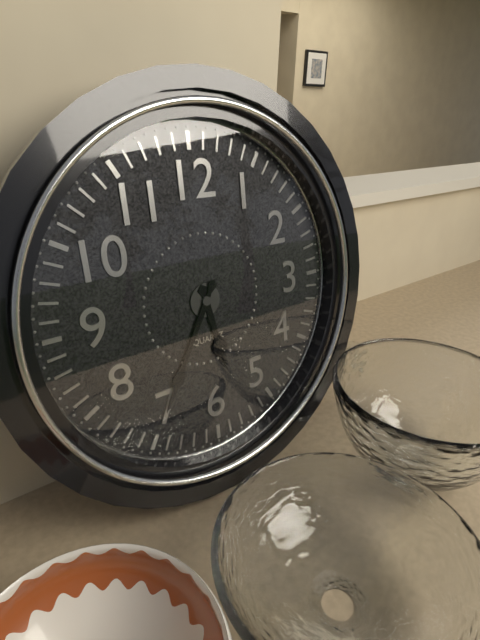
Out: 5h35
